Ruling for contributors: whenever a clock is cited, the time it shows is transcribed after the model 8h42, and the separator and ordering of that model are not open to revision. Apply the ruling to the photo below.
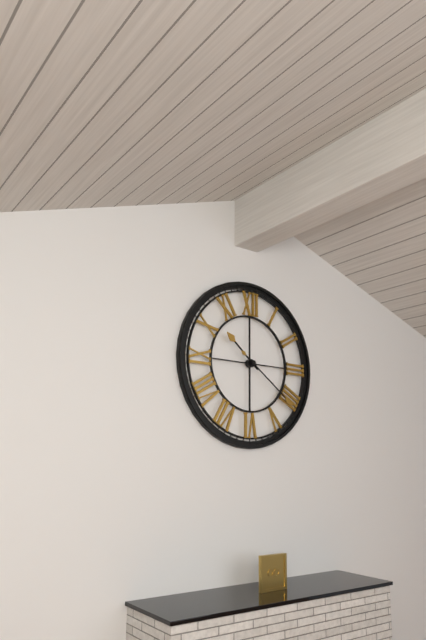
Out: 10h21
